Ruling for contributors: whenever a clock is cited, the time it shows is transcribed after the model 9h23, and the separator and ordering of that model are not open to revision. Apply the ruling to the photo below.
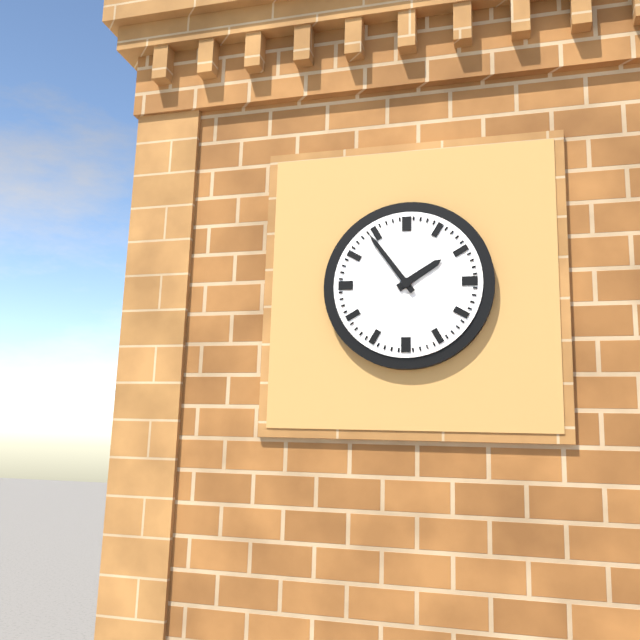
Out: 1h54
